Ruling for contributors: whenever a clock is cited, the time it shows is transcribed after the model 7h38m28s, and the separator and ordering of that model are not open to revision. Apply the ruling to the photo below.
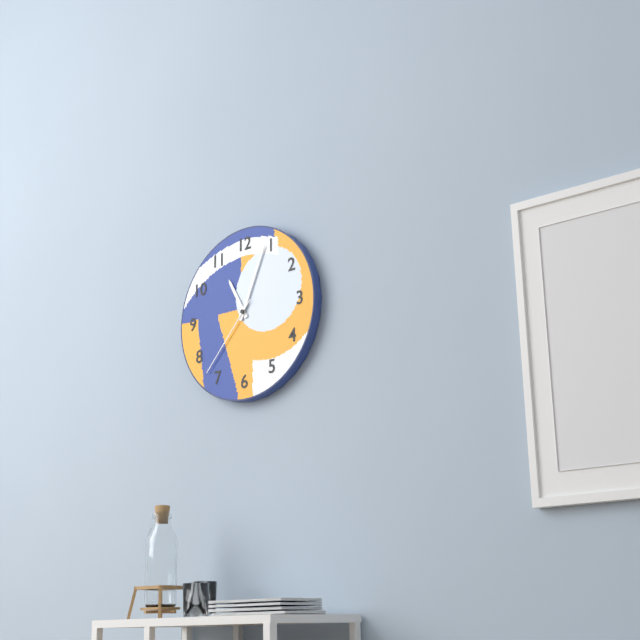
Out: 11h04m37s
